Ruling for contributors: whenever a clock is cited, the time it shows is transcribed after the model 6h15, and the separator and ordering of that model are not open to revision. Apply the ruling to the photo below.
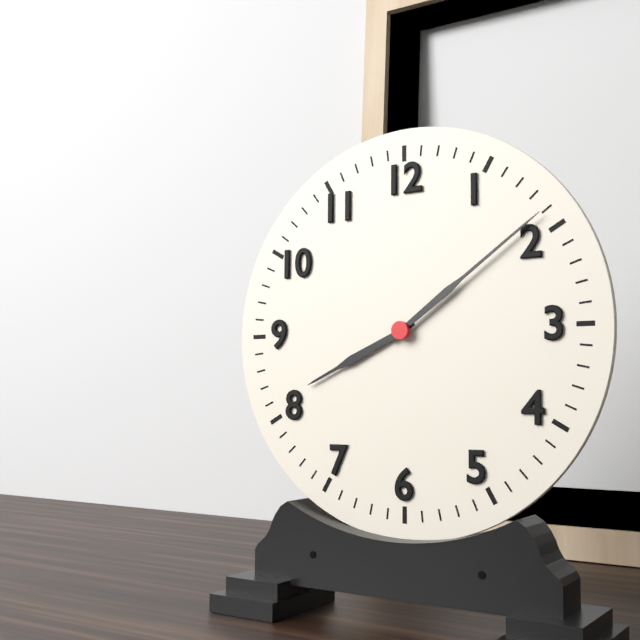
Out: 8h09
